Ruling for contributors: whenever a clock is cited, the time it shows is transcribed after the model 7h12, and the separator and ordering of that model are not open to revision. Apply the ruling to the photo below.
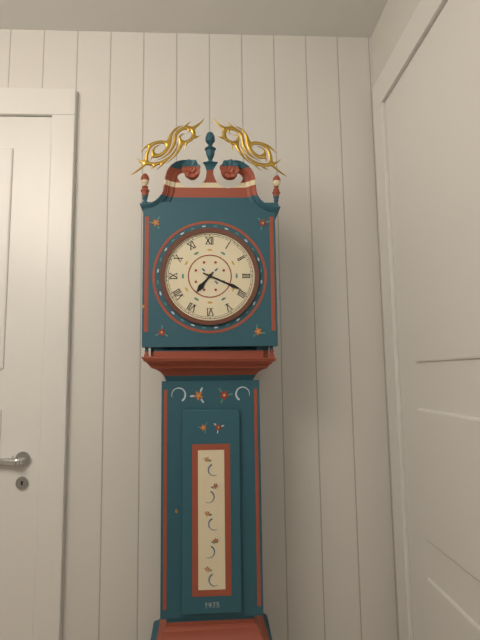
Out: 7h19
